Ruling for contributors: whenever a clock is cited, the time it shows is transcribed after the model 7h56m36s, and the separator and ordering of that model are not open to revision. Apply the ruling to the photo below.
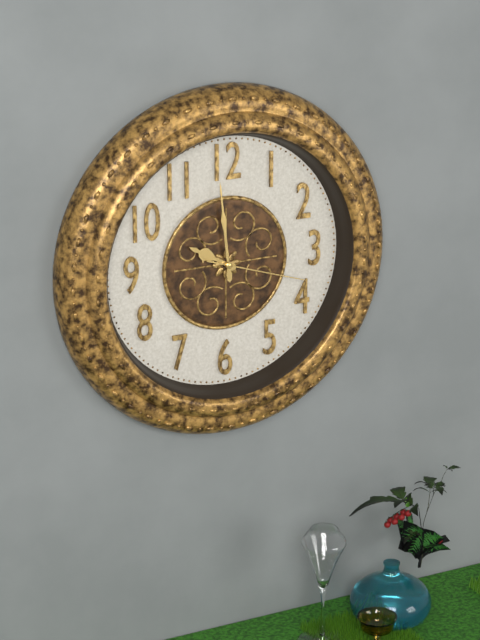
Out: 9h59m18s
